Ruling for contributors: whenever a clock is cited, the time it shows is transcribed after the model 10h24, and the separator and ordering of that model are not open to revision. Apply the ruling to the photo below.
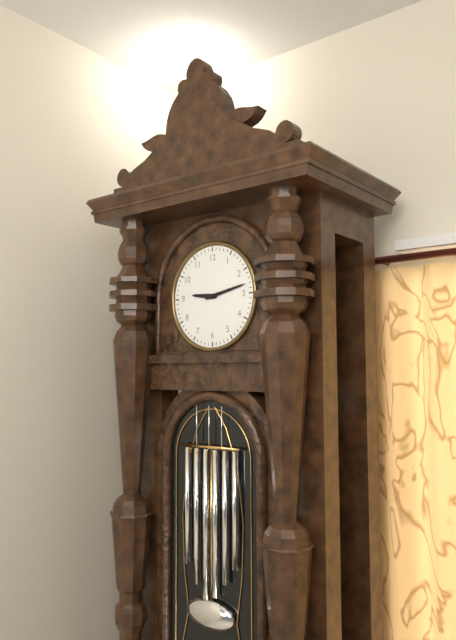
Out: 9h13
